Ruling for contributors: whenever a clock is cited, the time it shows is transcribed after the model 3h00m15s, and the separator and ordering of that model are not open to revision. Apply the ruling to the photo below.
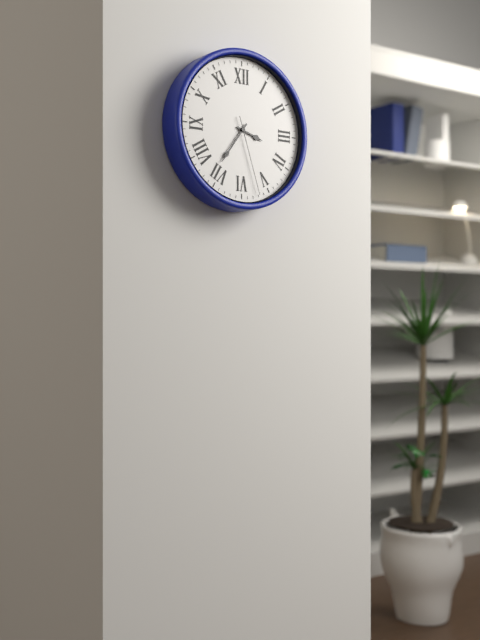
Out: 3h36m27s
